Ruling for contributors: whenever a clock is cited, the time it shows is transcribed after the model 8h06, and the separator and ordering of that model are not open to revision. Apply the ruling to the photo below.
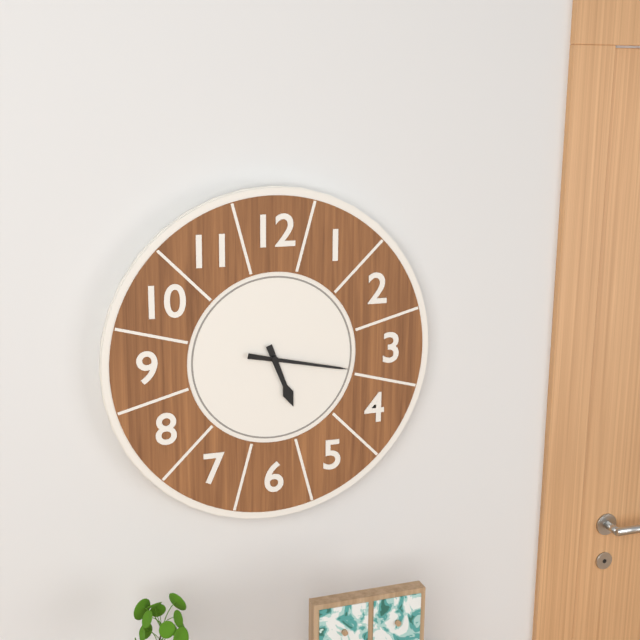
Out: 5h17
